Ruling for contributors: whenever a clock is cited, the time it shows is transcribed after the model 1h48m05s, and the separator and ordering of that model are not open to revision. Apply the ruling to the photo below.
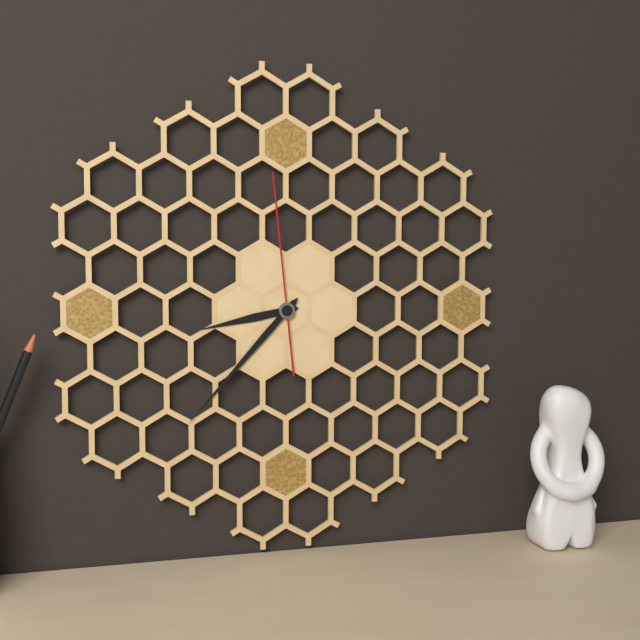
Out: 8h37m59s
